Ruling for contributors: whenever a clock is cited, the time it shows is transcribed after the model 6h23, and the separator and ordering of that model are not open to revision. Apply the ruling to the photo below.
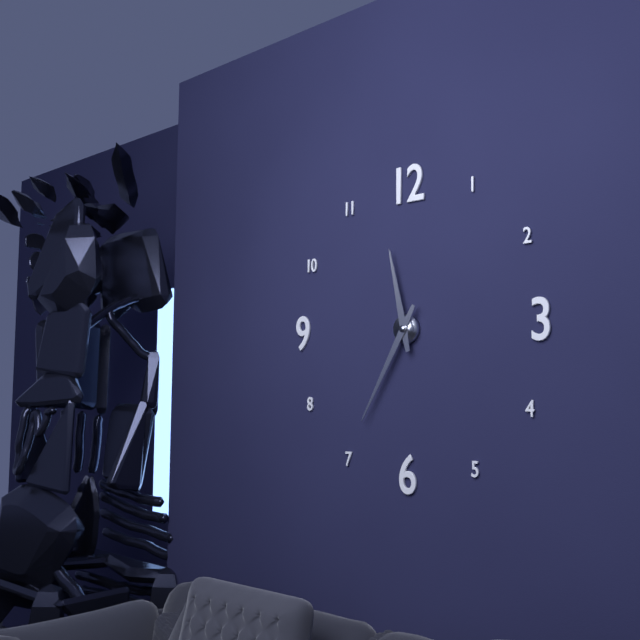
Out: 11h35
